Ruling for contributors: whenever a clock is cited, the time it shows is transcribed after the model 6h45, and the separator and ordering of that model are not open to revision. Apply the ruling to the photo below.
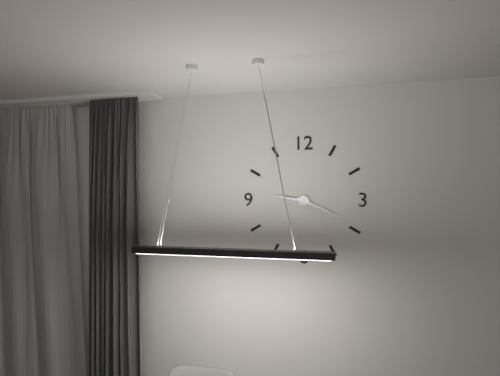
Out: 9h19
